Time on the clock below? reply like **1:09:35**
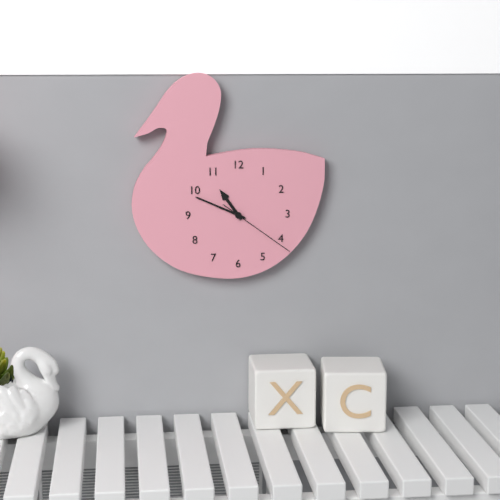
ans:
**10:49:21**
